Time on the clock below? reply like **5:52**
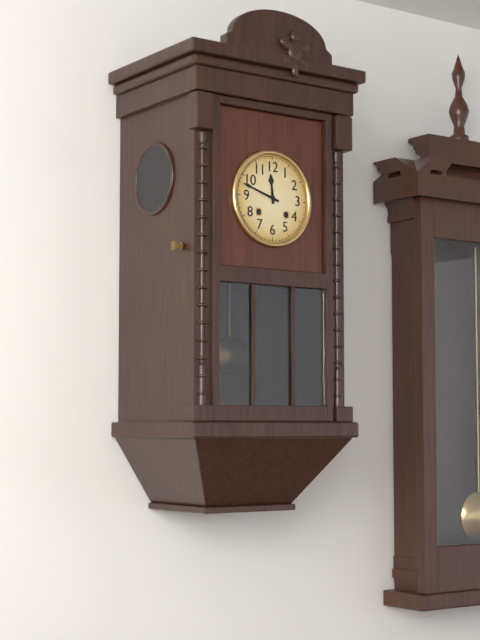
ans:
**11:48**
